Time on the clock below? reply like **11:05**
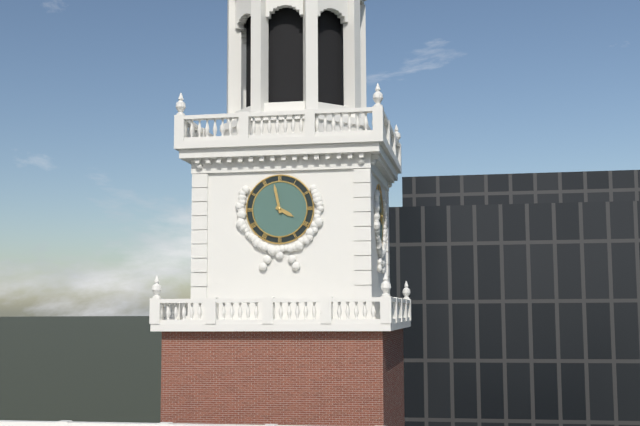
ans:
**3:58**
